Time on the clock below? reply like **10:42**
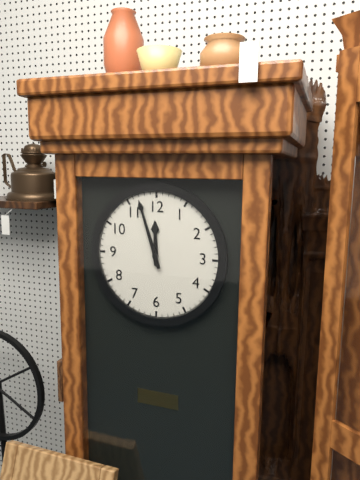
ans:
**11:57**
